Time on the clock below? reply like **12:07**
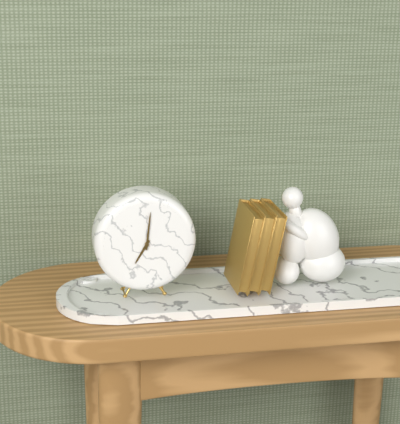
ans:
**7:01**
